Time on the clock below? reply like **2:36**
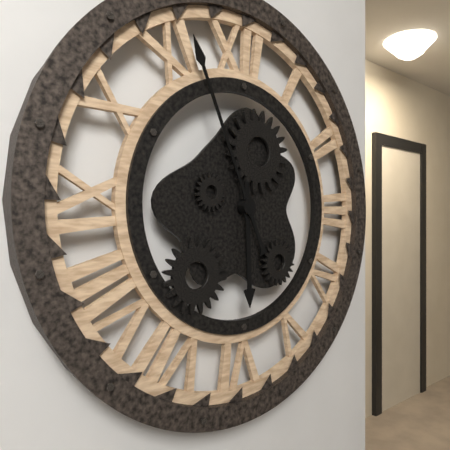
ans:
**5:56**
